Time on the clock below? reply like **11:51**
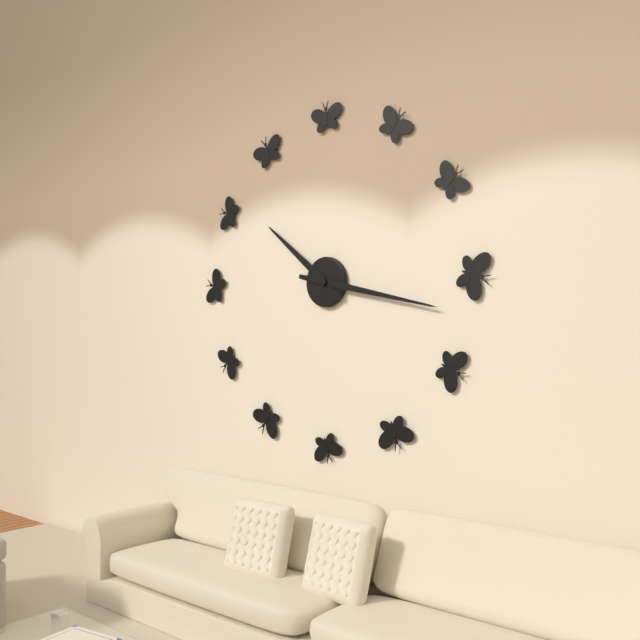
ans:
**10:17**
